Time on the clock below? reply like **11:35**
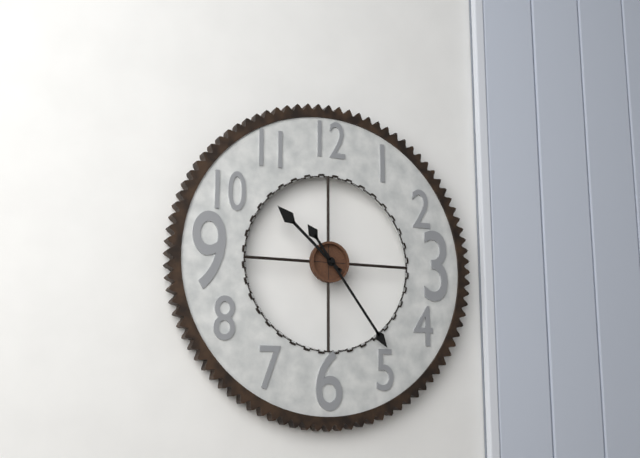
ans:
**10:24**
